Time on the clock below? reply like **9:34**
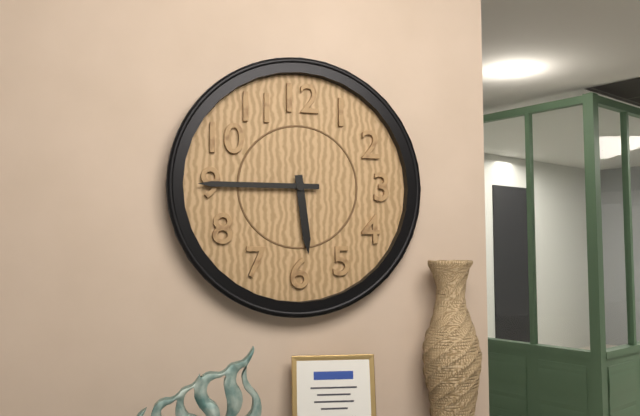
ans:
**5:45**
